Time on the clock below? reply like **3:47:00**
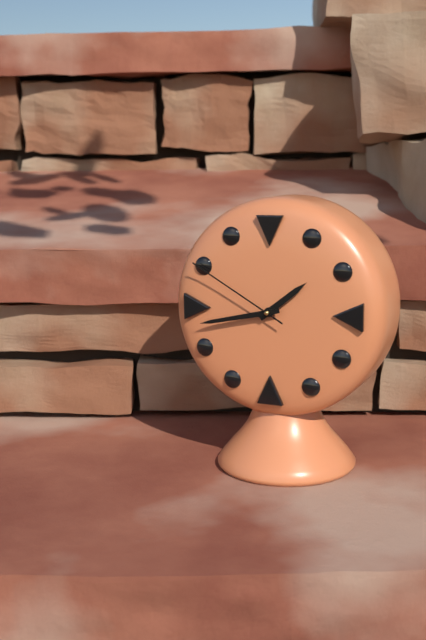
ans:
**1:43:50**
